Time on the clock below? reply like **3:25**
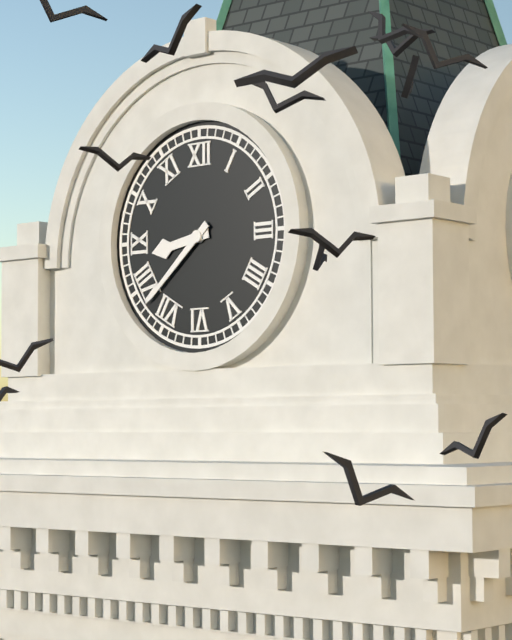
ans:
**8:38**
